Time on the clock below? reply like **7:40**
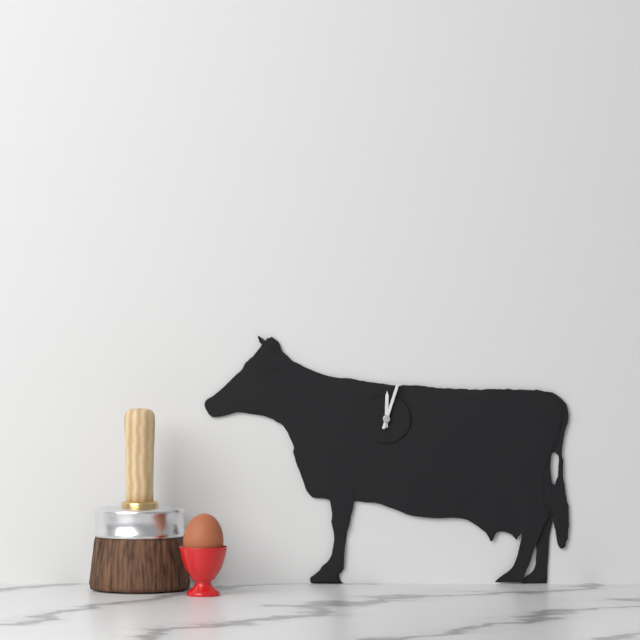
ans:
**12:03**
